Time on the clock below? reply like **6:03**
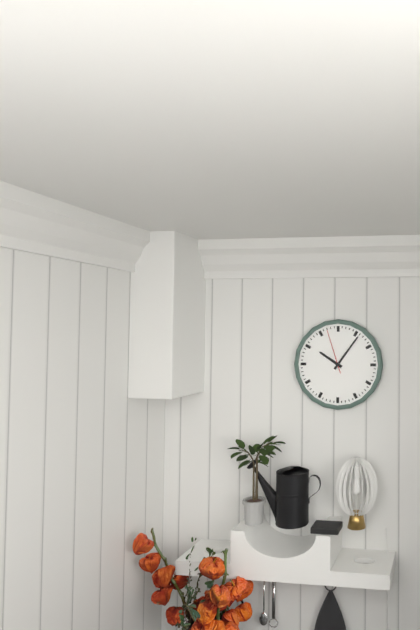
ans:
**10:06**
